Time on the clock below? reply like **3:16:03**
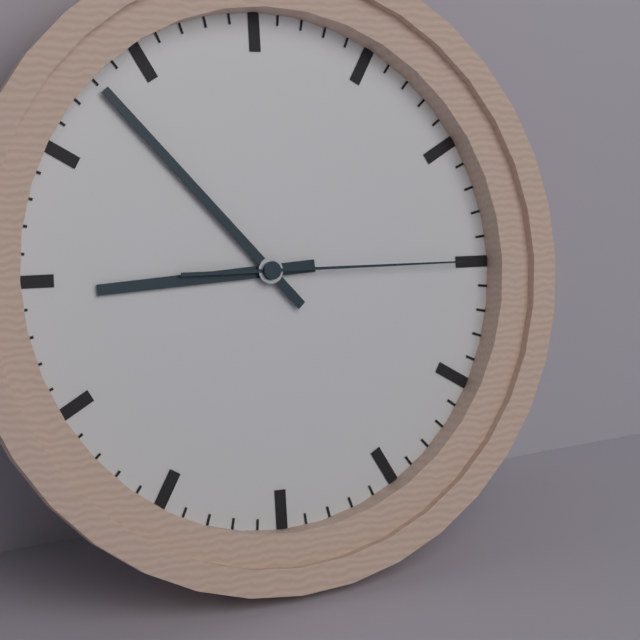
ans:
**8:53:15**
